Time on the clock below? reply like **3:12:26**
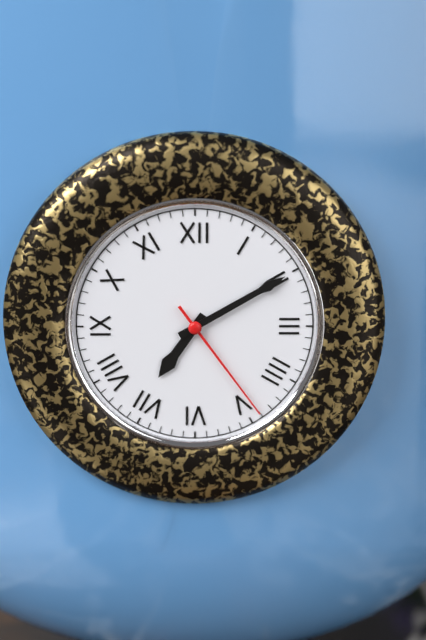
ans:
**7:10:24**
